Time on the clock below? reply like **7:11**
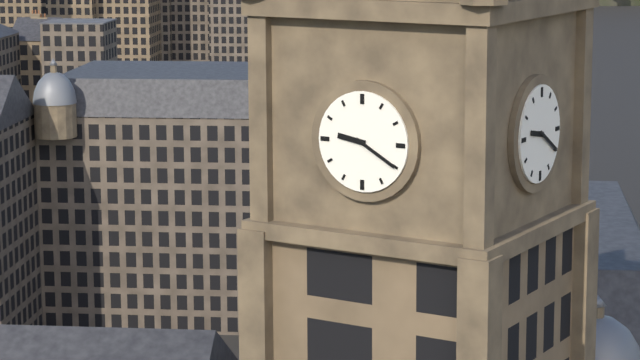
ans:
**9:20**
